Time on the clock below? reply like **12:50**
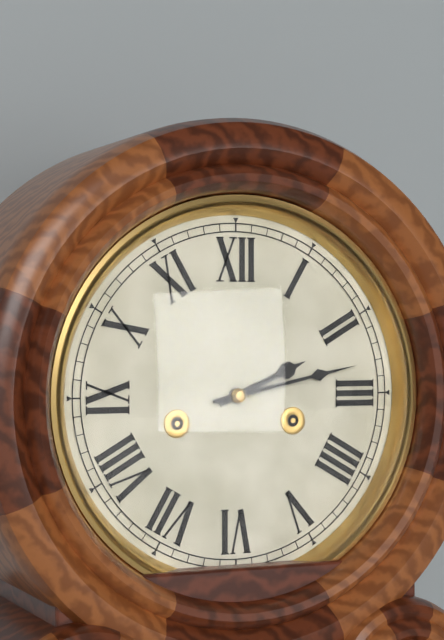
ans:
**2:13**
